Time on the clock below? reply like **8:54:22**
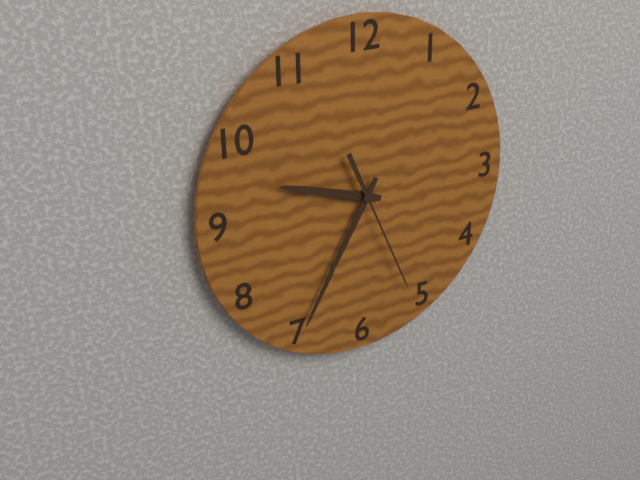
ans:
**9:35:26**
